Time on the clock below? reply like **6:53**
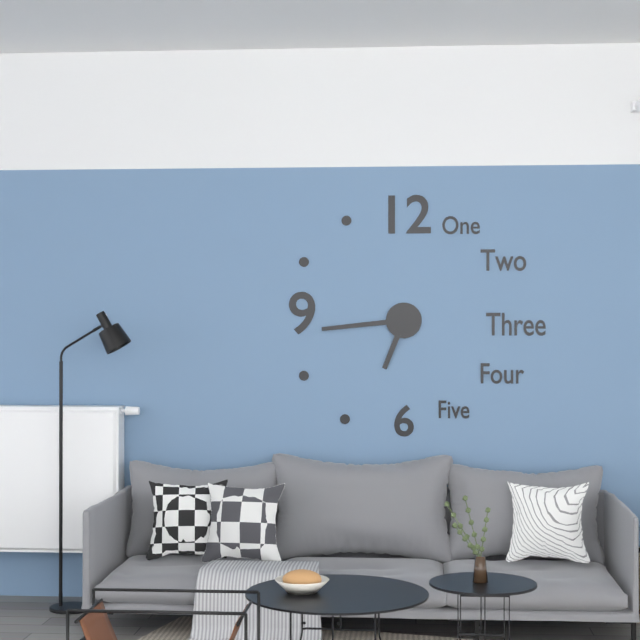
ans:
**6:44**
